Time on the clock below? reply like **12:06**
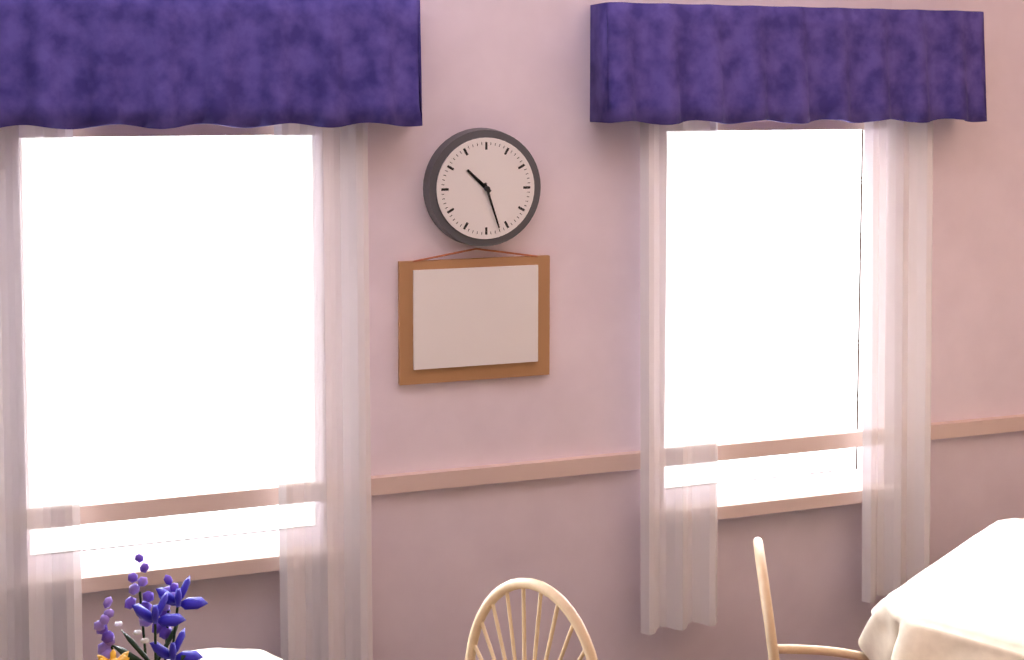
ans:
**10:27**
